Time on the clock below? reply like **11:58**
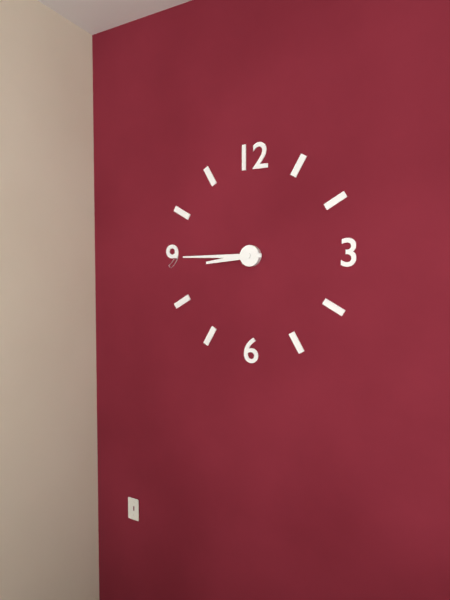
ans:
**8:45**
